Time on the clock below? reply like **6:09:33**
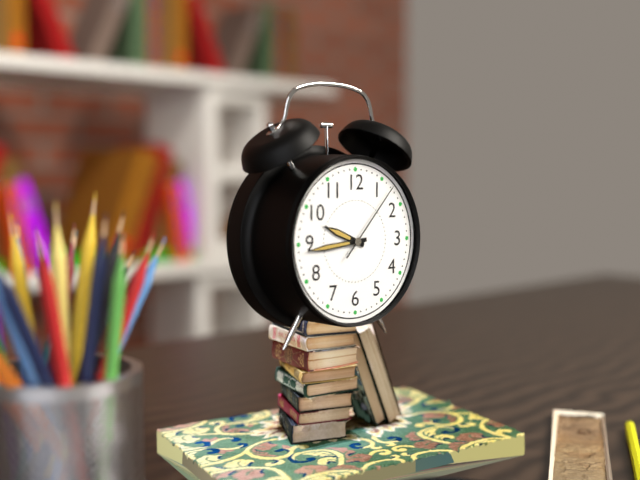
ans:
**9:44:07**
